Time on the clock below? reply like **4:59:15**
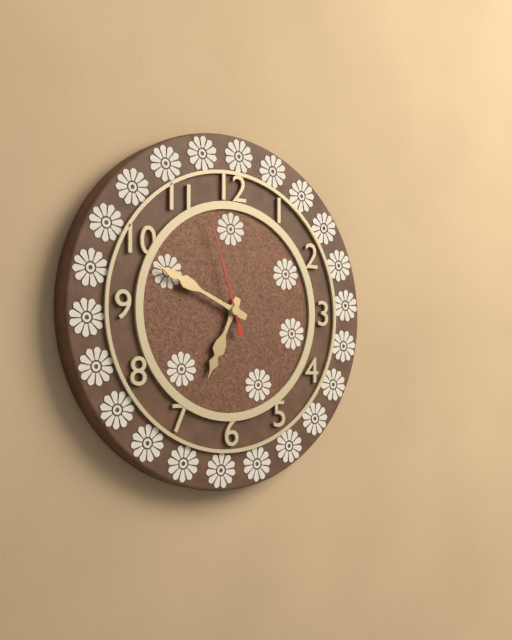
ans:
**6:49:57**
